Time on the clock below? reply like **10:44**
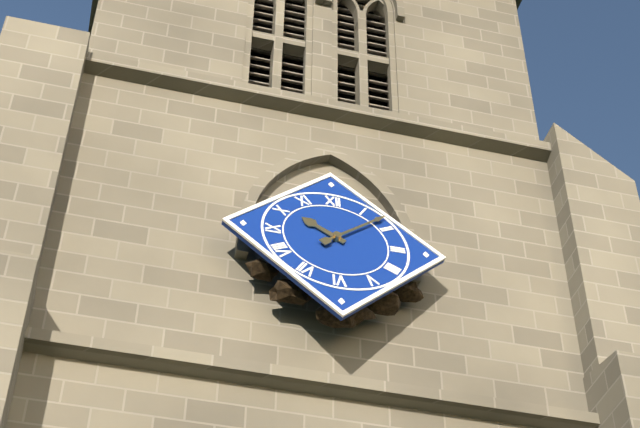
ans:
**10:08**
